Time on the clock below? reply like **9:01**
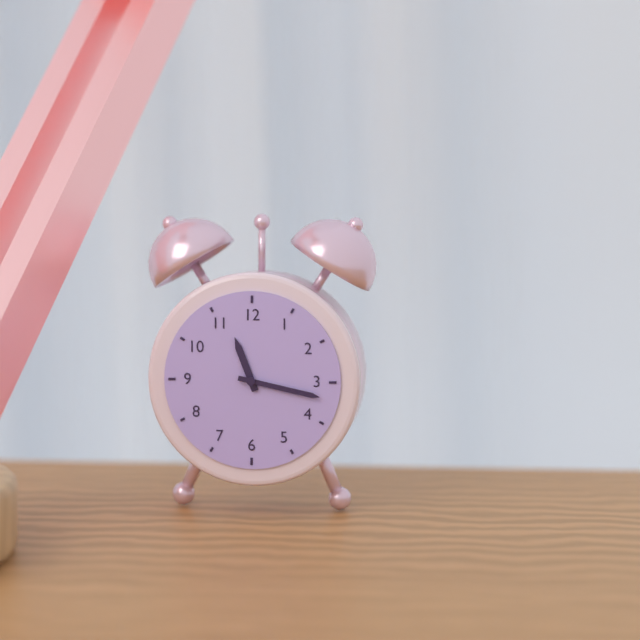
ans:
**11:17**
